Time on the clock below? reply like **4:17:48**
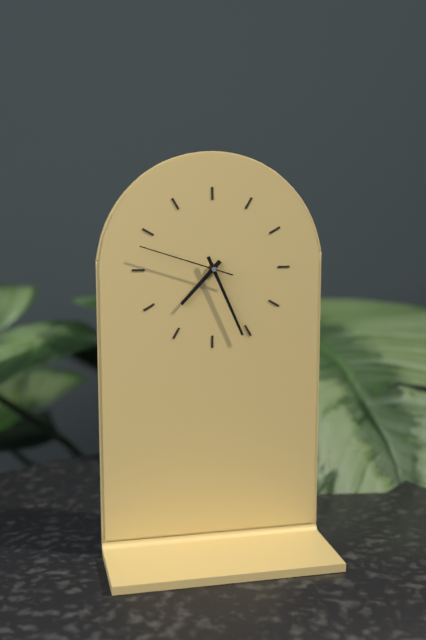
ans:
**7:26:48**
